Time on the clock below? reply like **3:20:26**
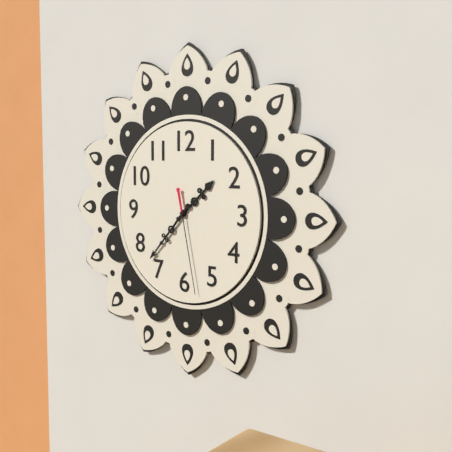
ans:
**1:37:28**
